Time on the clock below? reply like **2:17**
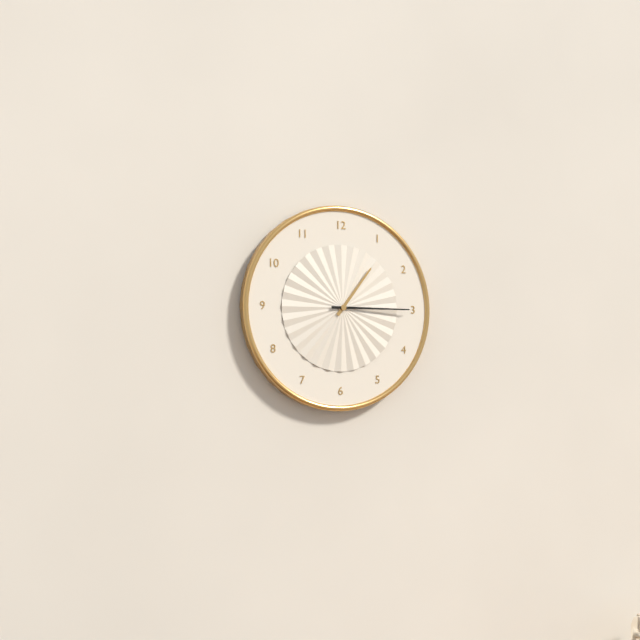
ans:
**1:15**
